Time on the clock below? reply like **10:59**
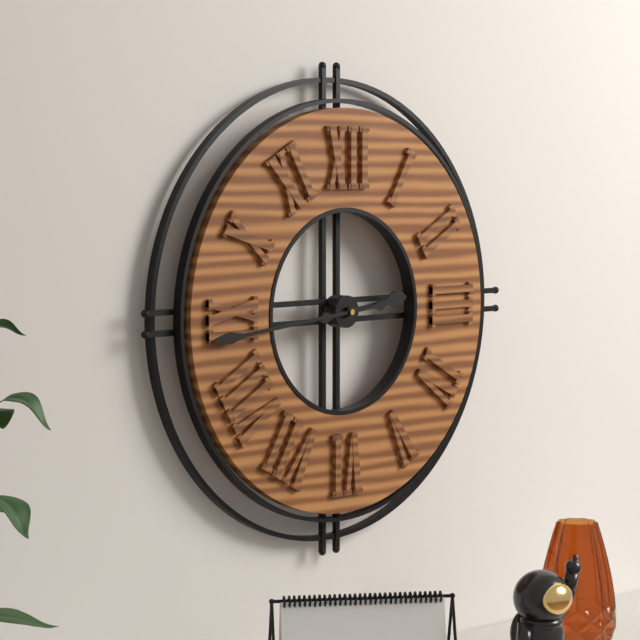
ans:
**2:44**
